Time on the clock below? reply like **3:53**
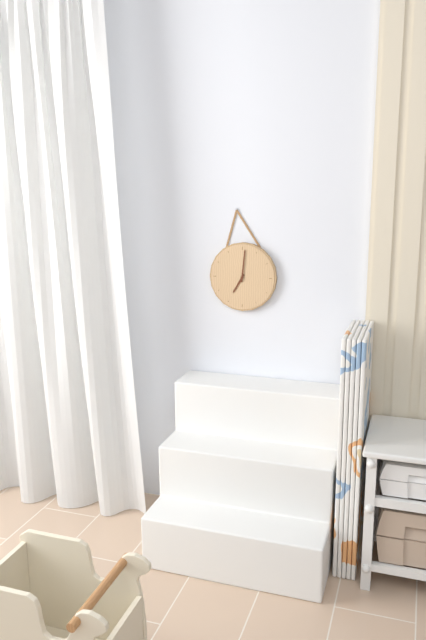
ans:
**7:01**
